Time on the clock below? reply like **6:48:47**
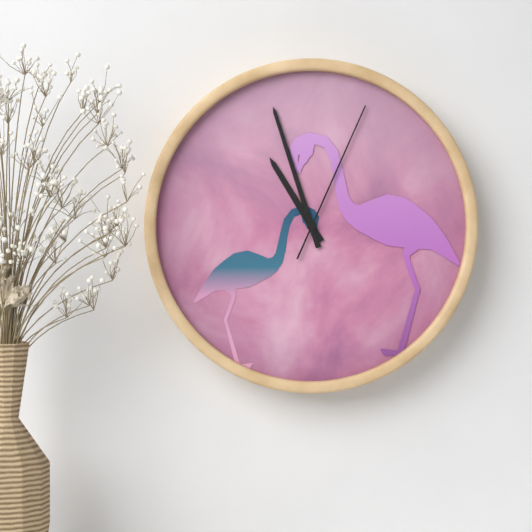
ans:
**10:57:04**
